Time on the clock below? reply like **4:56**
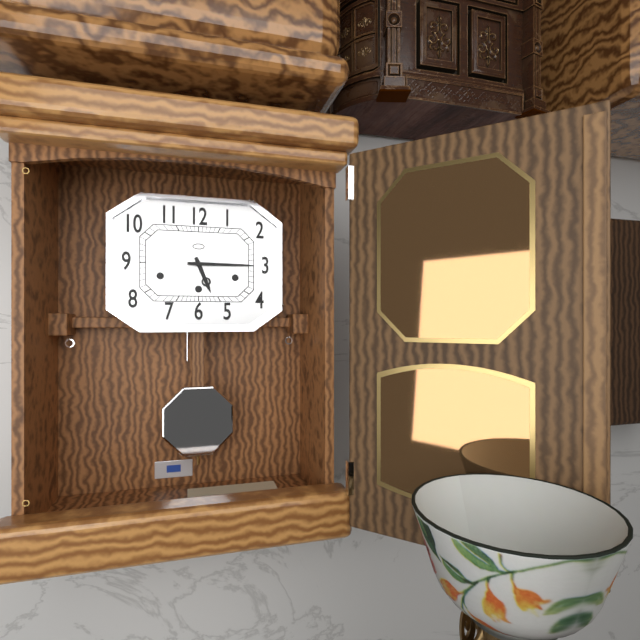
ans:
**5:15**
